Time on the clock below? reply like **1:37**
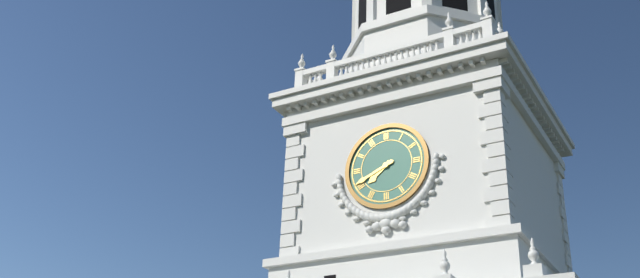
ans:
**7:41**
